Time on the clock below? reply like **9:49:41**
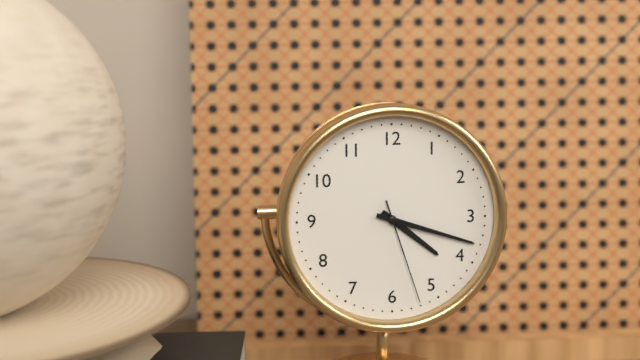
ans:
**4:18:27**
